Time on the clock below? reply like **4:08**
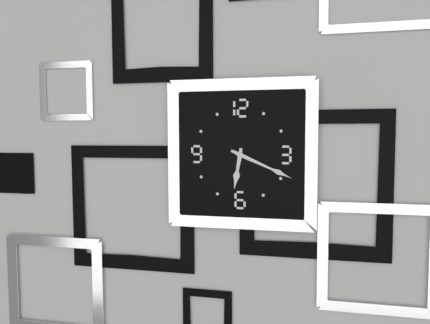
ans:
**6:19**
